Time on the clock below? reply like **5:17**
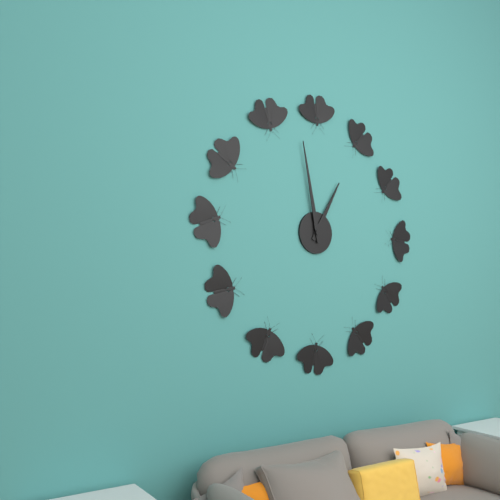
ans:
**12:58**
